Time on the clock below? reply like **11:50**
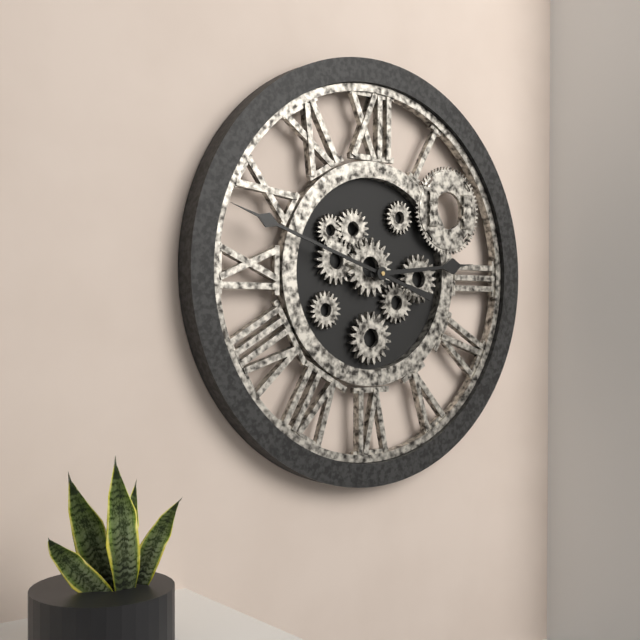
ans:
**2:48**
